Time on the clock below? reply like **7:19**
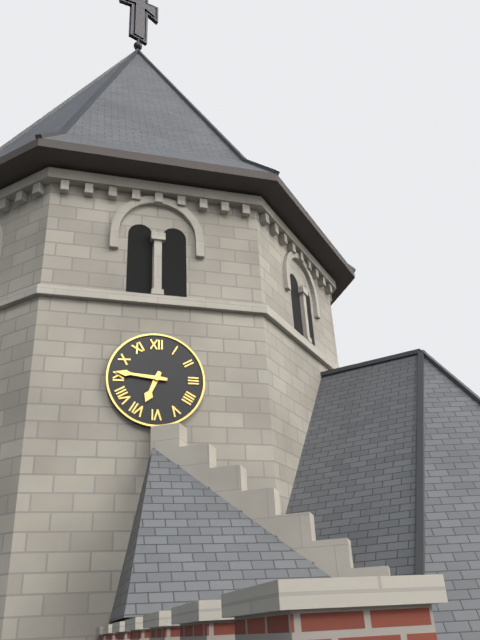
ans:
**6:46**
